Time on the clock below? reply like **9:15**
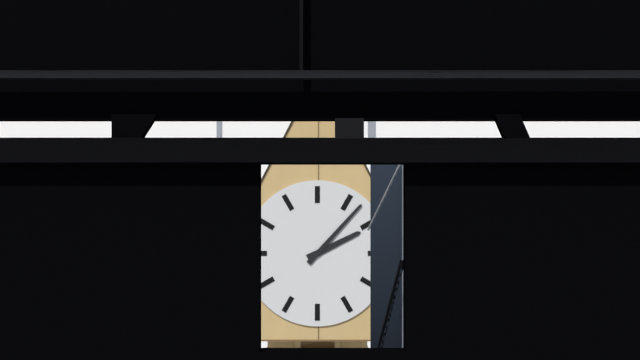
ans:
**2:07**
